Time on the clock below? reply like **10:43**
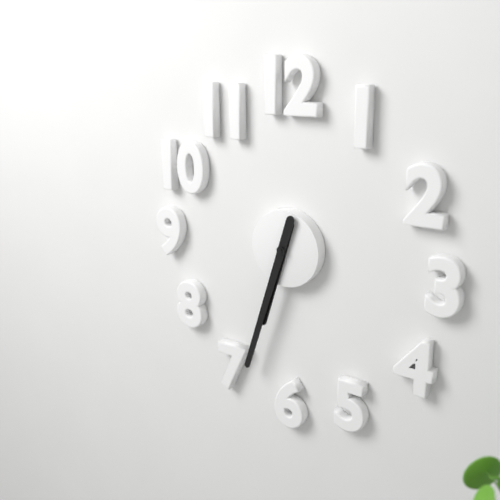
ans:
**6:33**
